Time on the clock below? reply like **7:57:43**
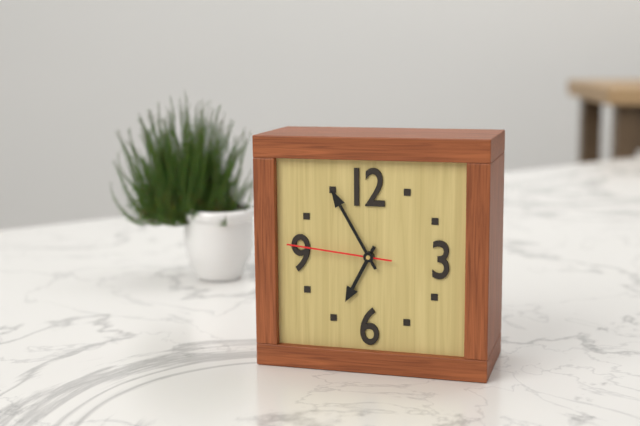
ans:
**6:55:46**
